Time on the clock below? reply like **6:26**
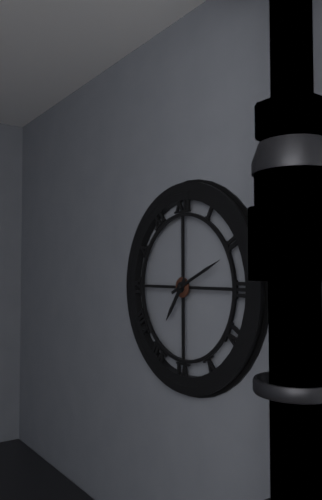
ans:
**7:11**
